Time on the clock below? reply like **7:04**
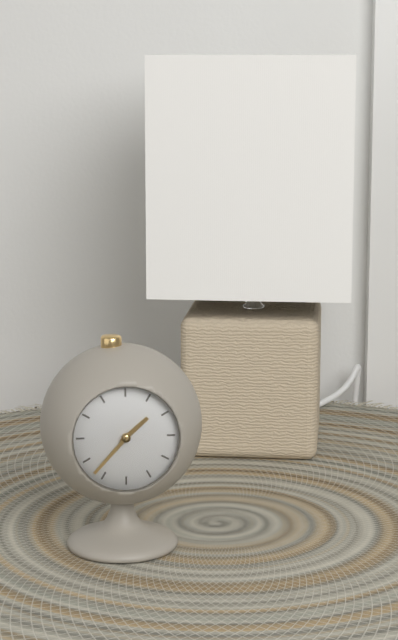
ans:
**1:37**
